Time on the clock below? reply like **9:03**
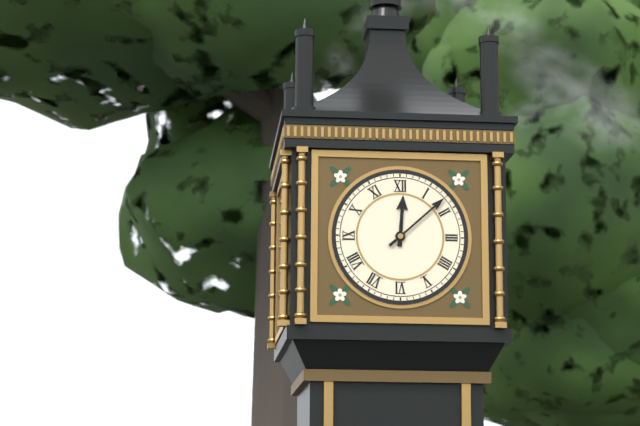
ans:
**12:08**
